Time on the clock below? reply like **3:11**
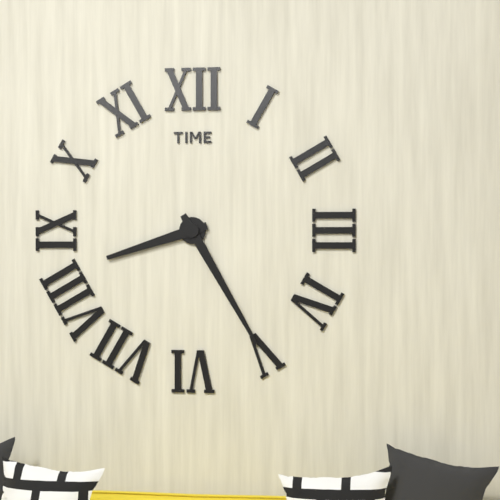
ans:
**8:25**
